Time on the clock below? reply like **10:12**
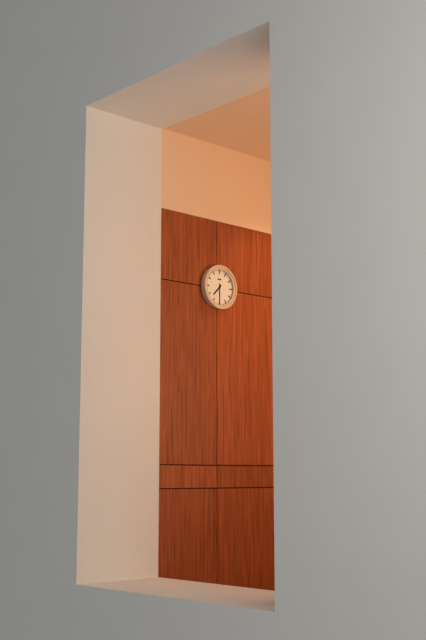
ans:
**7:30**
